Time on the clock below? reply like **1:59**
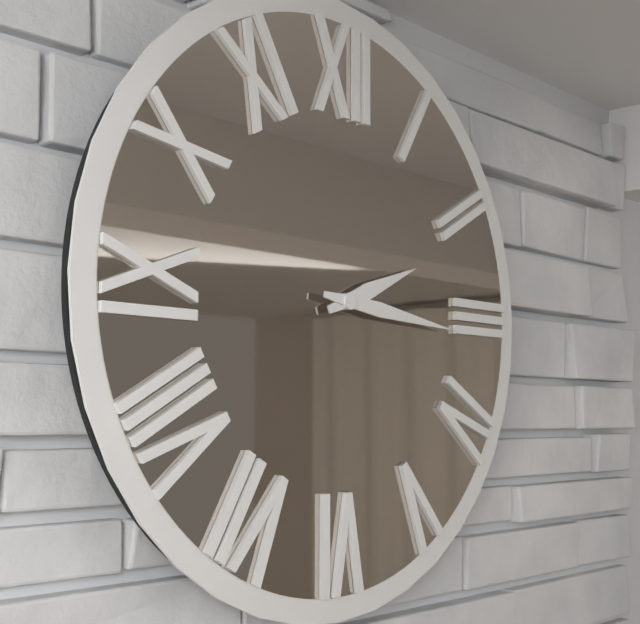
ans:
**2:16**
